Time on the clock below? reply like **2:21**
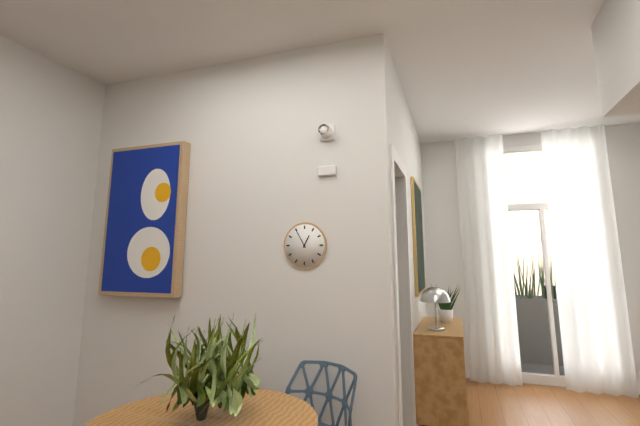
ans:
**12:55**
